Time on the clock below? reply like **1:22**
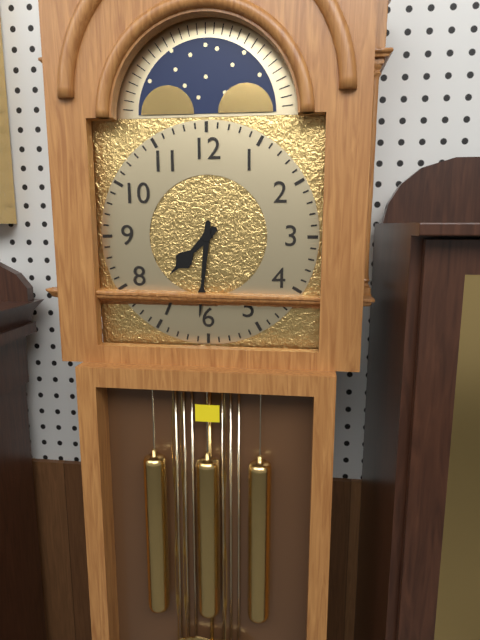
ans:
**7:31**
